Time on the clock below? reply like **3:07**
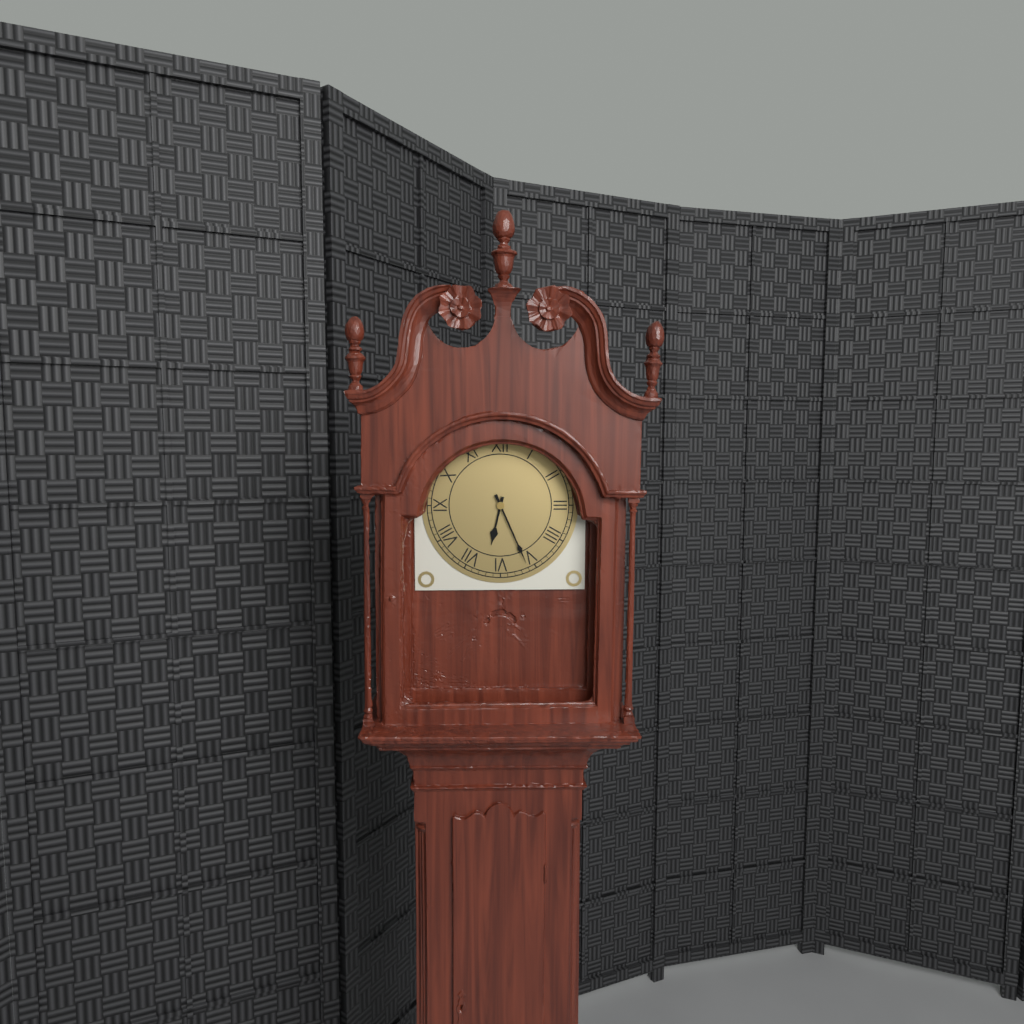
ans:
**6:26**
